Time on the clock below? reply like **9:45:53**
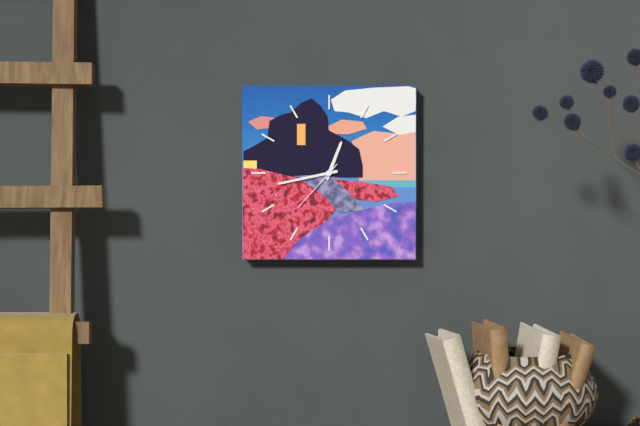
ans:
**12:43:37**
